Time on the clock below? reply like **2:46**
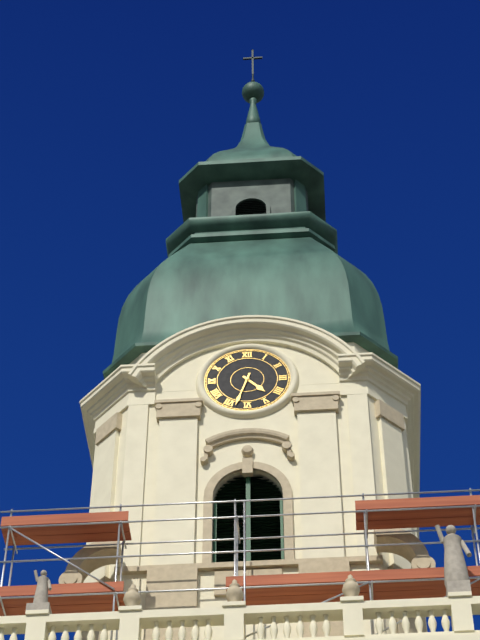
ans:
**4:33**
